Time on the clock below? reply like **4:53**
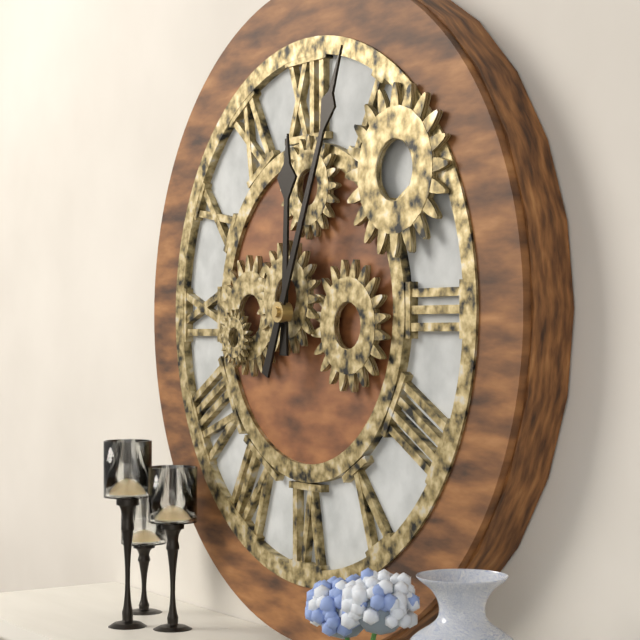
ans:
**12:04**
